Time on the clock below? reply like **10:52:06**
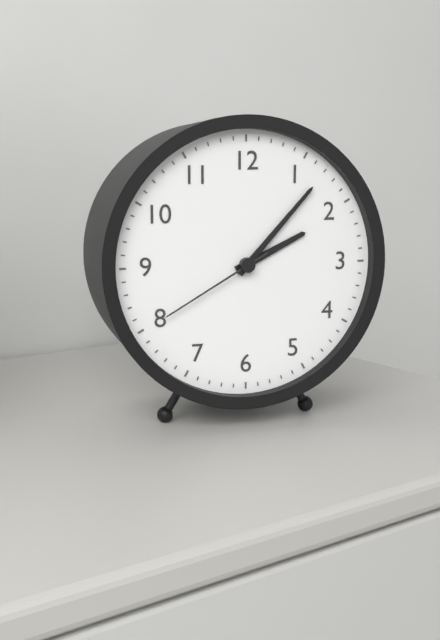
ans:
**2:07:40**
